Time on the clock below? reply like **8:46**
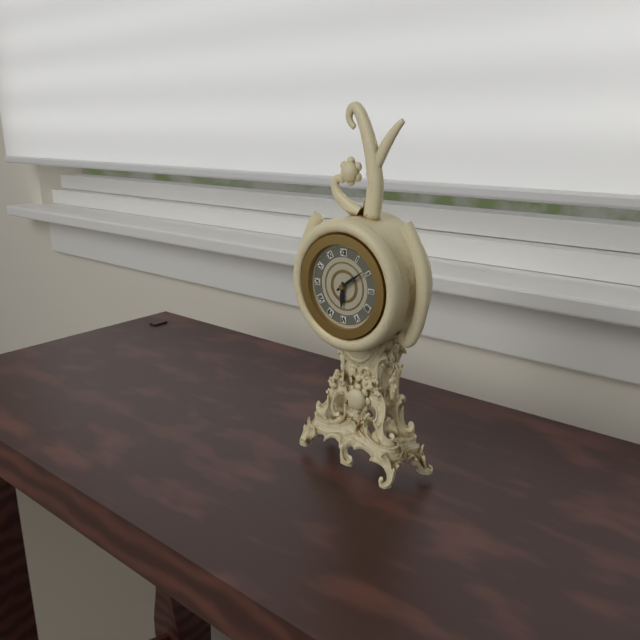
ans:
**6:09**
